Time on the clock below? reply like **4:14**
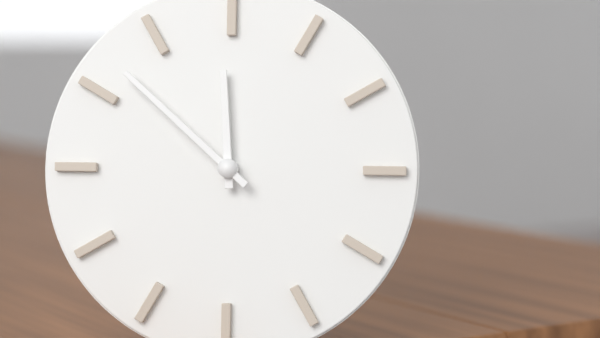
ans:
**11:52**
